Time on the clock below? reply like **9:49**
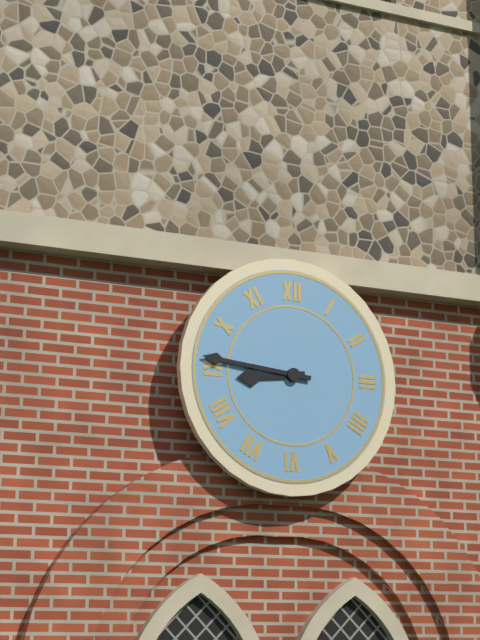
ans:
**8:46**
